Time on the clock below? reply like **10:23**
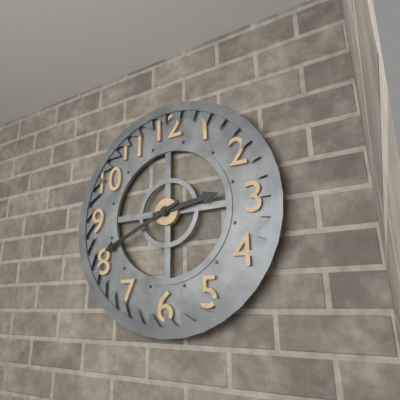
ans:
**2:41**
